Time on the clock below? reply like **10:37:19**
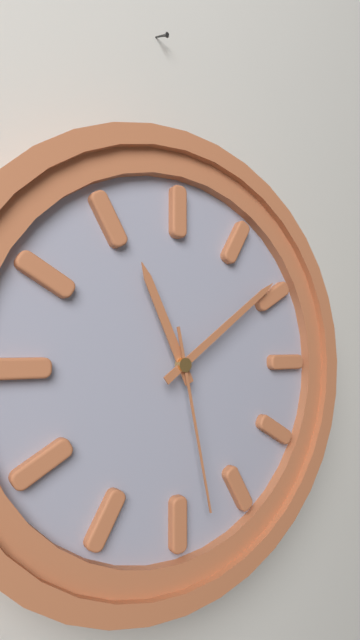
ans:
**11:09:28**
